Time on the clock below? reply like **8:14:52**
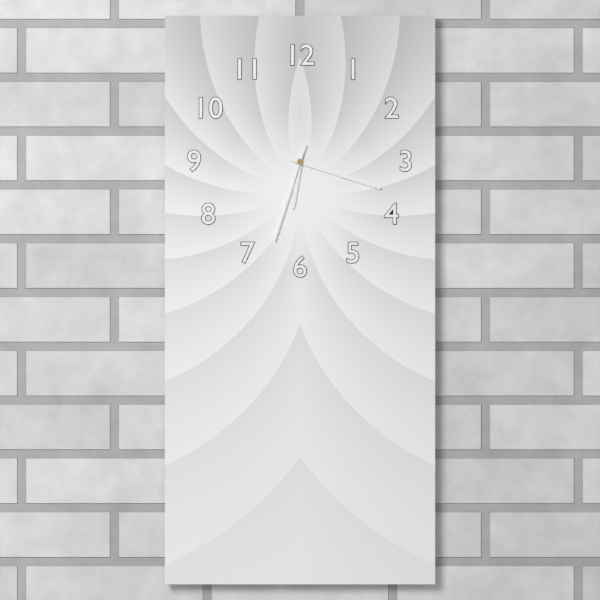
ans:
**6:18:33**
